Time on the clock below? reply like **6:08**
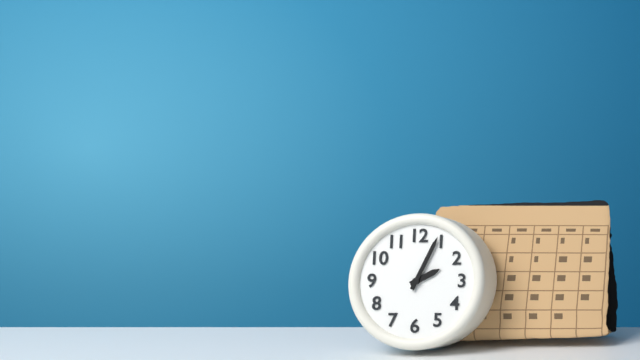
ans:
**2:04**
